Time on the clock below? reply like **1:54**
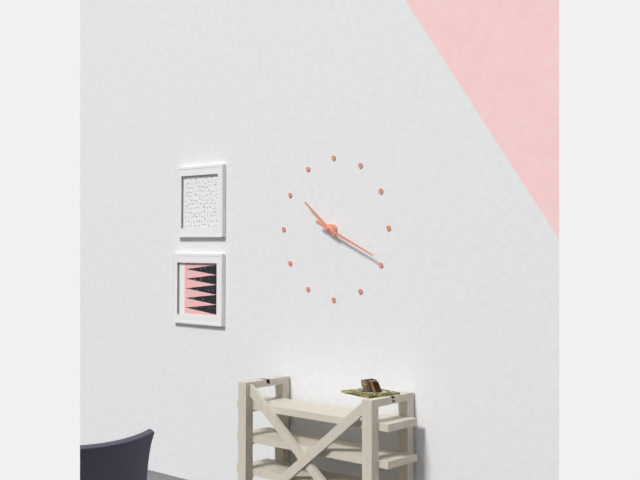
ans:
**10:19**
